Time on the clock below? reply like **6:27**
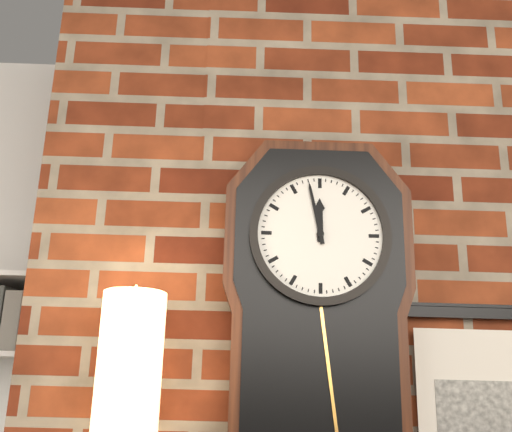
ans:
**11:58**
